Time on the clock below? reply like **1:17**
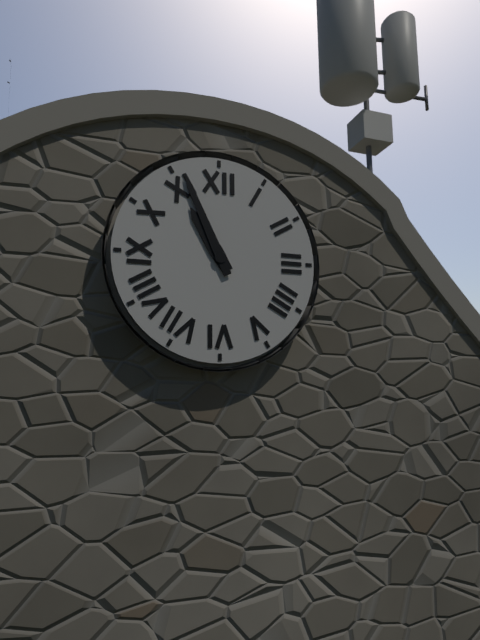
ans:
**10:56**
